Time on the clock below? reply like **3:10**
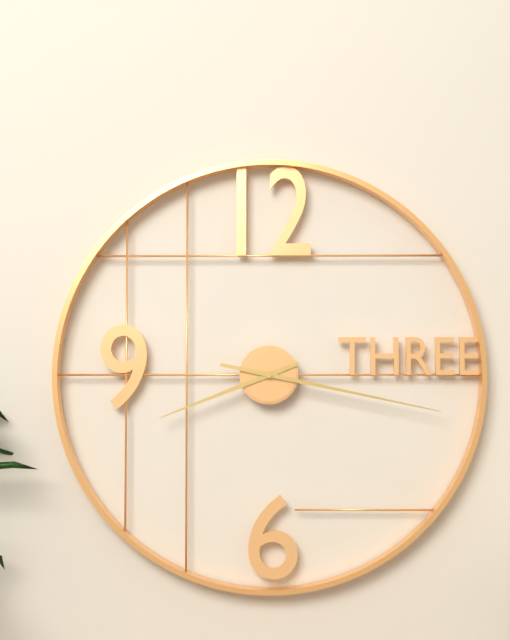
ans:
**8:17**
